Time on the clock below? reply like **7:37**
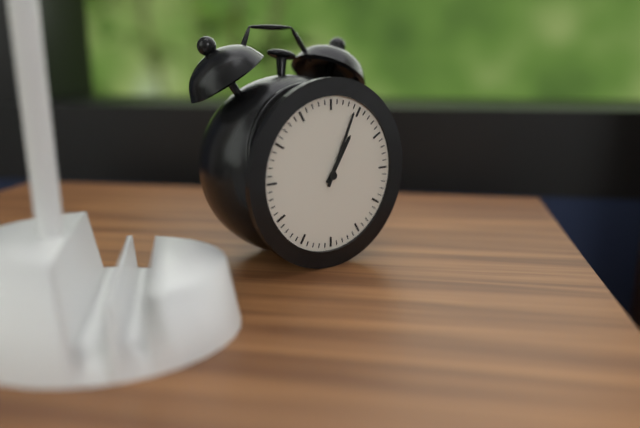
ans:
**1:04**
